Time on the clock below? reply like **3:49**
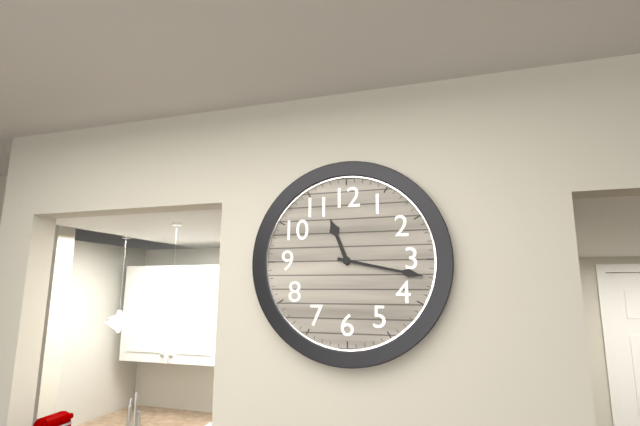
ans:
**11:17**
